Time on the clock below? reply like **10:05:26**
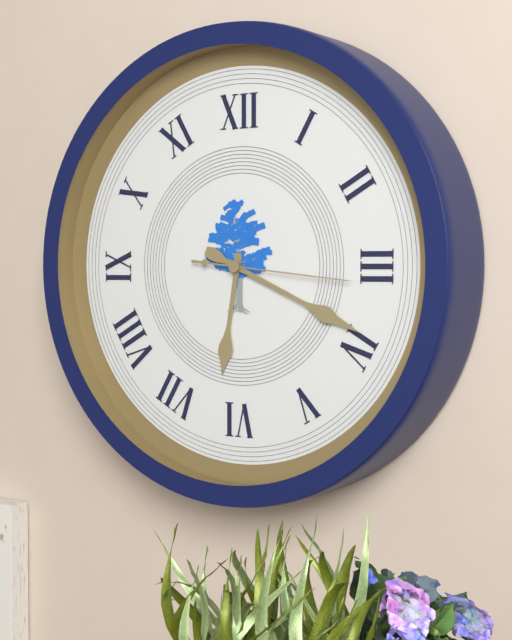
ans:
**6:19:16**
